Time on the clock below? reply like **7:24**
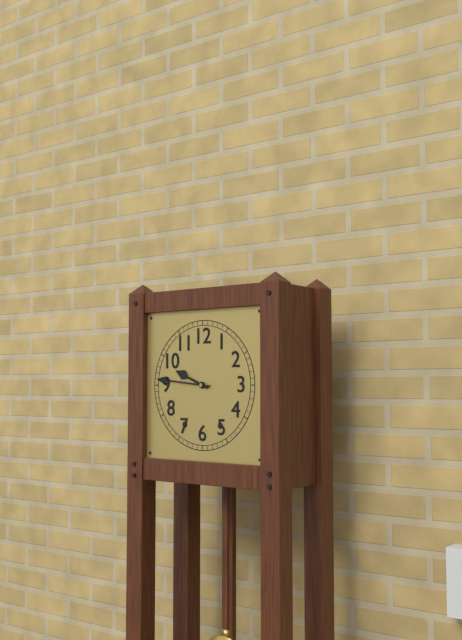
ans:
**9:46**
